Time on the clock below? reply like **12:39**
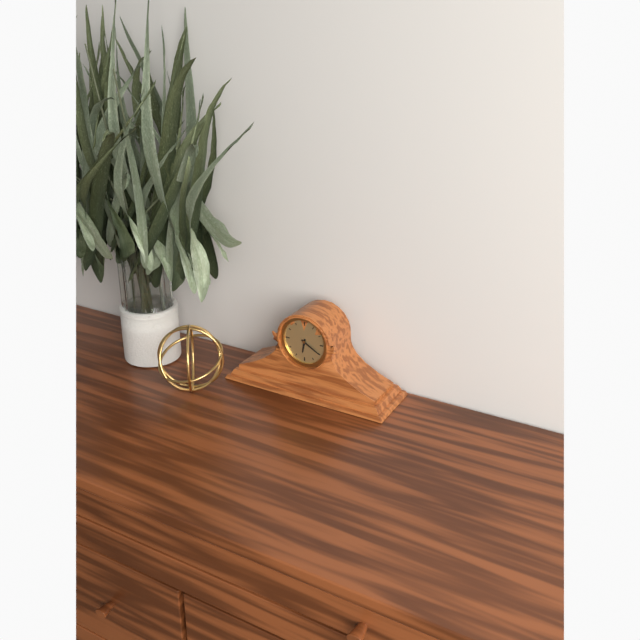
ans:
**6:20**
